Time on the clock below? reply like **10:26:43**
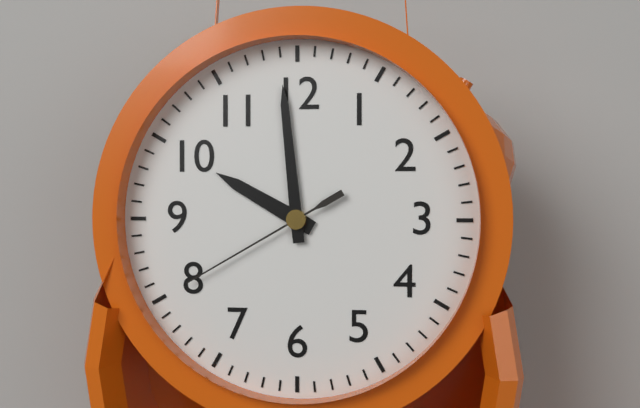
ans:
**9:59:40**
